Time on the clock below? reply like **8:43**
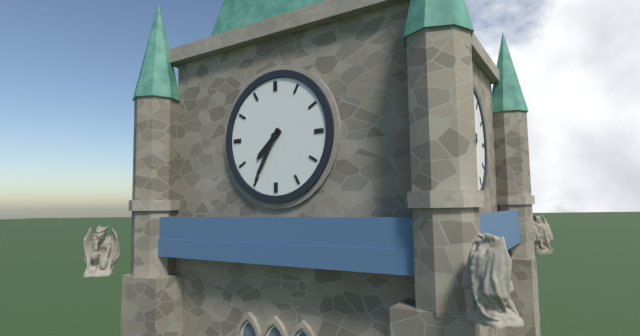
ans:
**7:35**
